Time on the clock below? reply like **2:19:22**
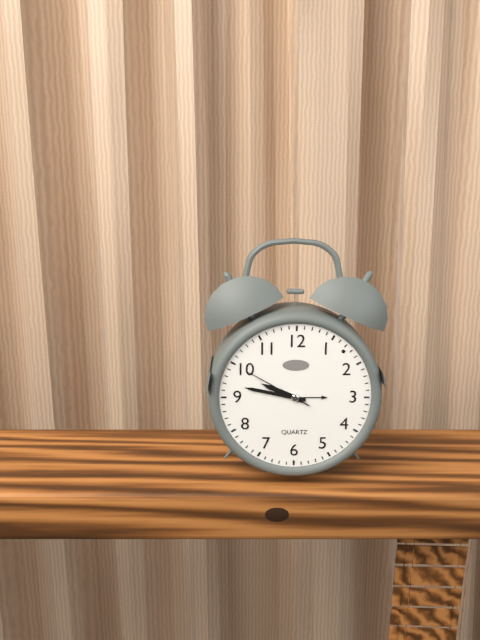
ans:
**9:47:50**
